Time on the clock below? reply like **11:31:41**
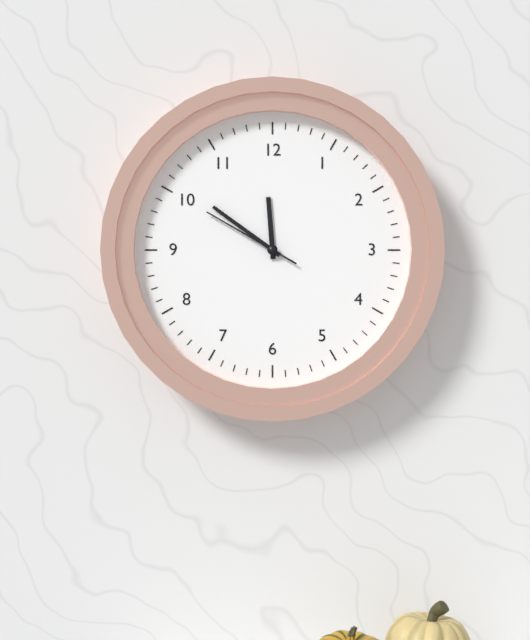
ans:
**11:51:50**
